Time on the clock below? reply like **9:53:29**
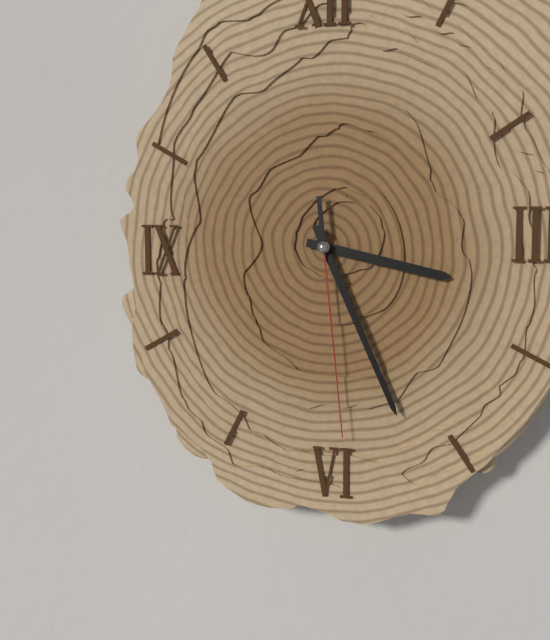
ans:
**3:26:29**
